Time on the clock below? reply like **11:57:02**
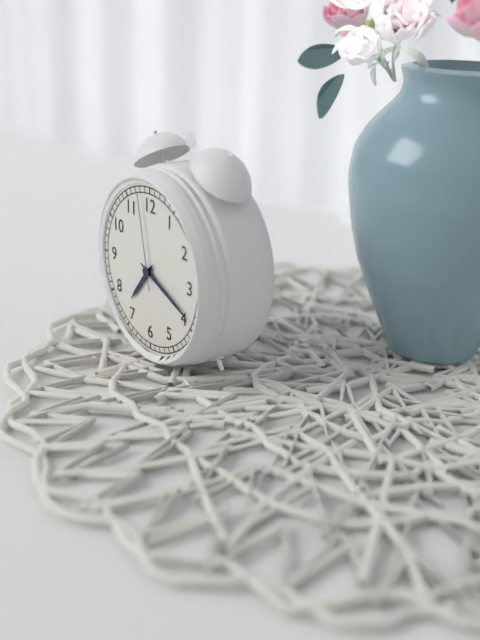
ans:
**7:19:58**
